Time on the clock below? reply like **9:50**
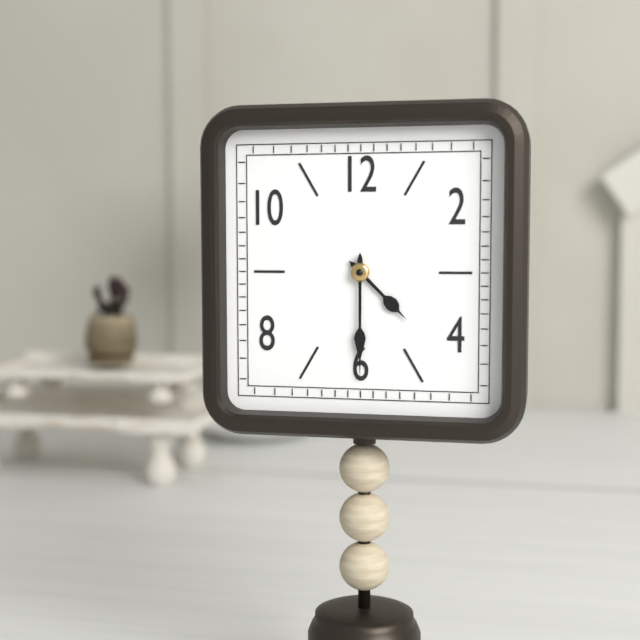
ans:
**4:30**
